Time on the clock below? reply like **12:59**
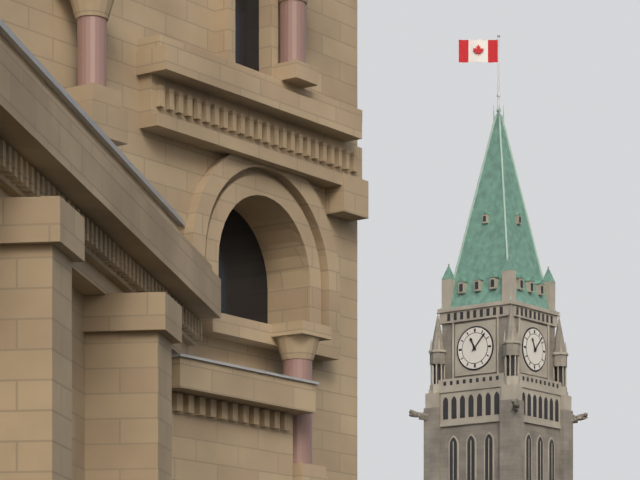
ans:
**11:07**
